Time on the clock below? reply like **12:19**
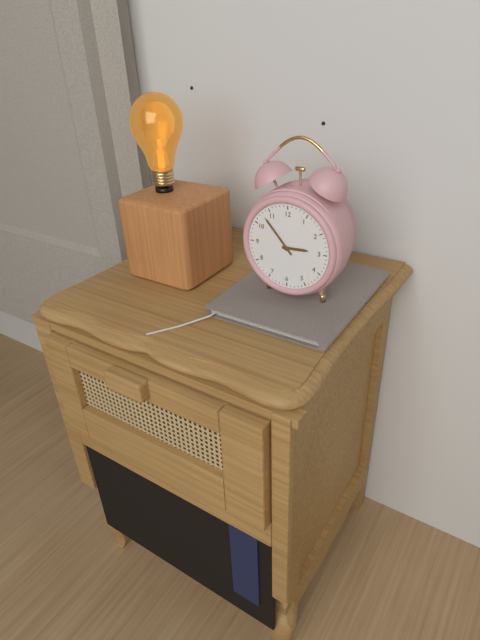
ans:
**2:53**
